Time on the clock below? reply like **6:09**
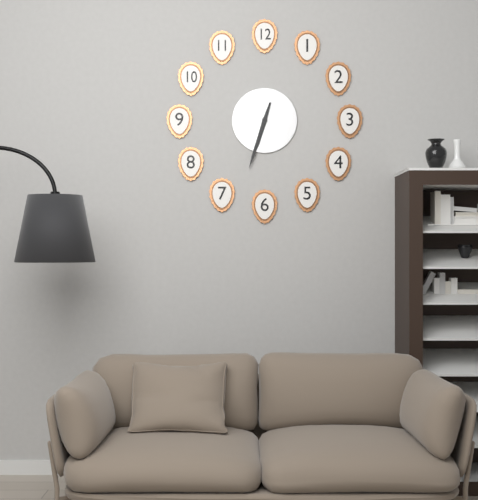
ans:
**6:33**
